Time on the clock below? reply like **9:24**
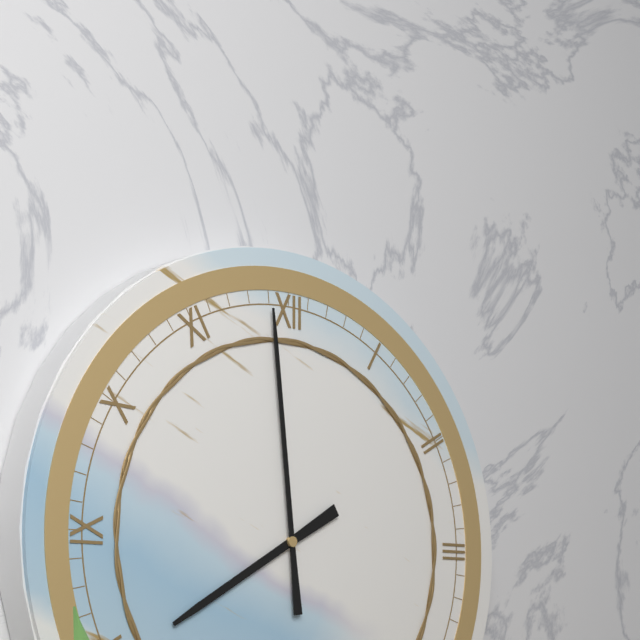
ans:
**7:59**
